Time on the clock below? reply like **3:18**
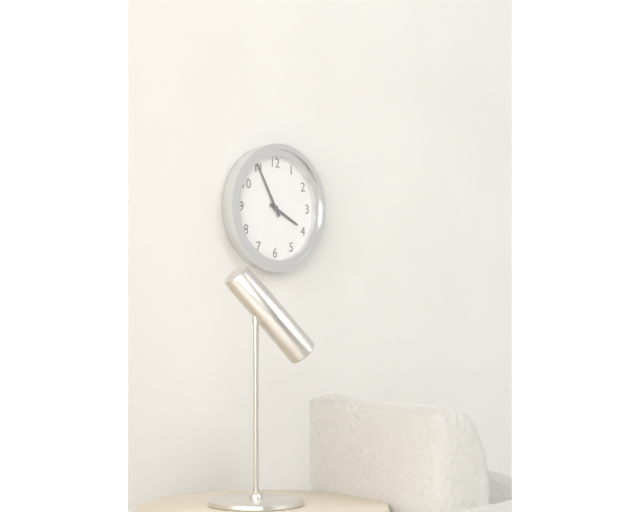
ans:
**3:55**
